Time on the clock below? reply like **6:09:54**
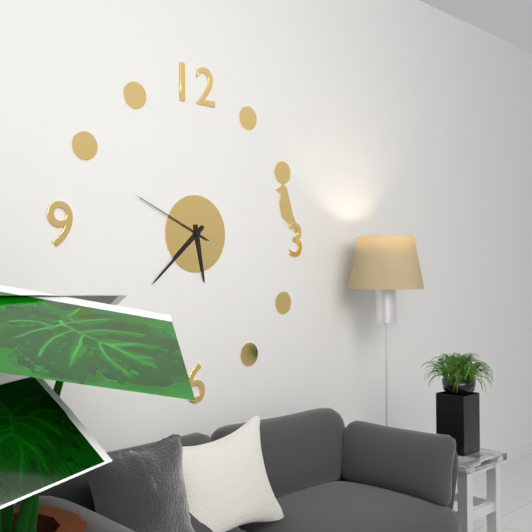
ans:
**5:38:49**
